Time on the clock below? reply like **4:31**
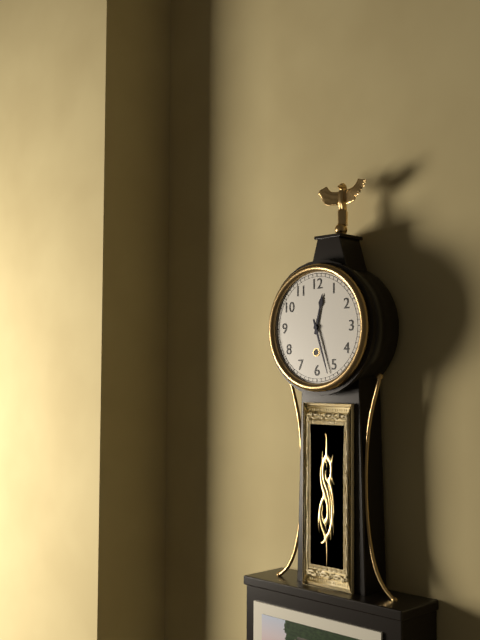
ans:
**12:27**
